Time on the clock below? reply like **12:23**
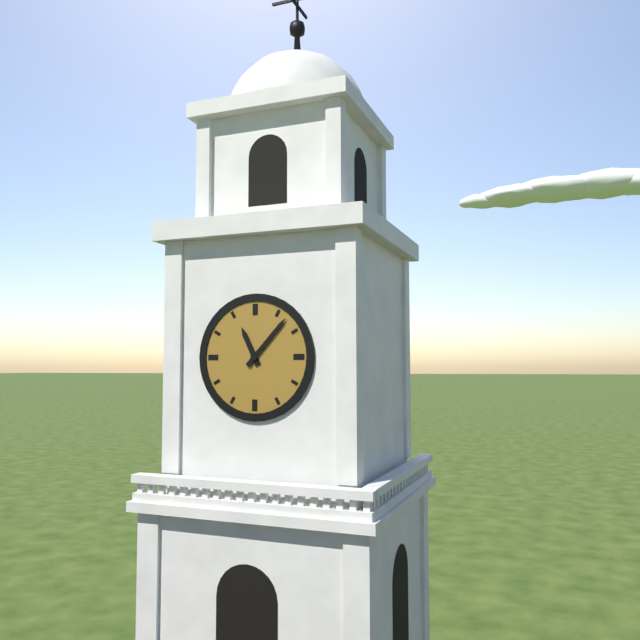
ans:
**11:07**
